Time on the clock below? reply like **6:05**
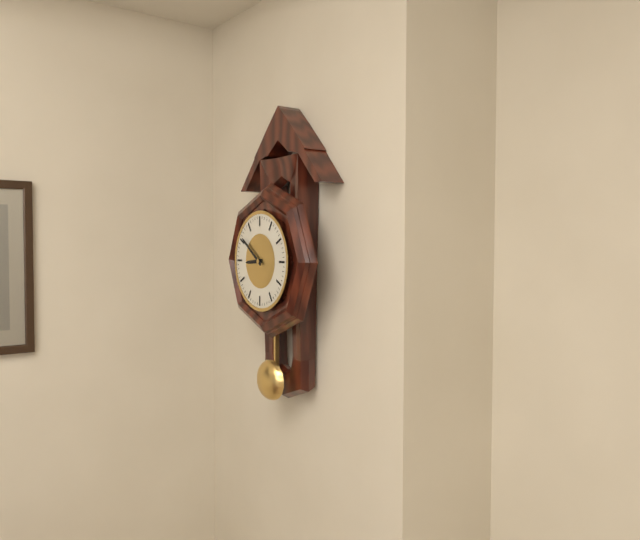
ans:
**8:51**
